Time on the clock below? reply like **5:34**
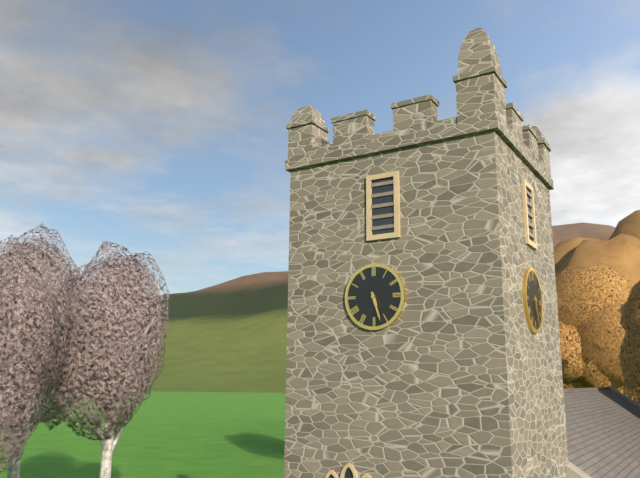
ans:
**5:27**
